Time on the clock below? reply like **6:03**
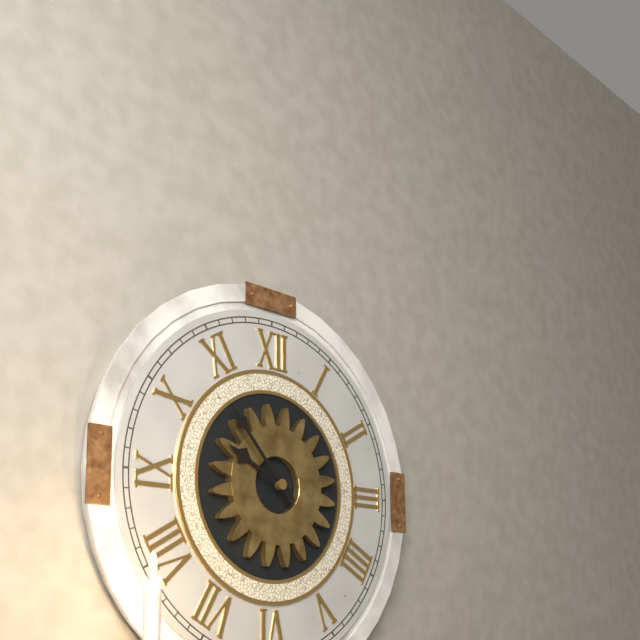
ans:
**9:53**
